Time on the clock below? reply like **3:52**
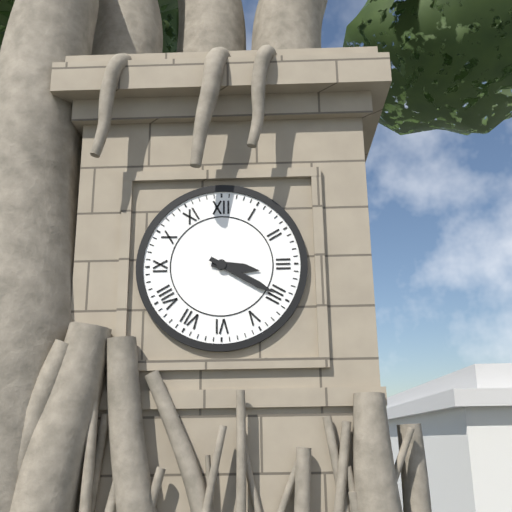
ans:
**3:20**
